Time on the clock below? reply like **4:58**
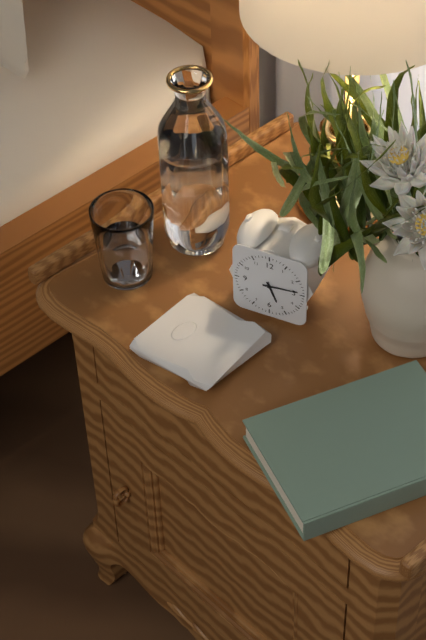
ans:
**5:14**
